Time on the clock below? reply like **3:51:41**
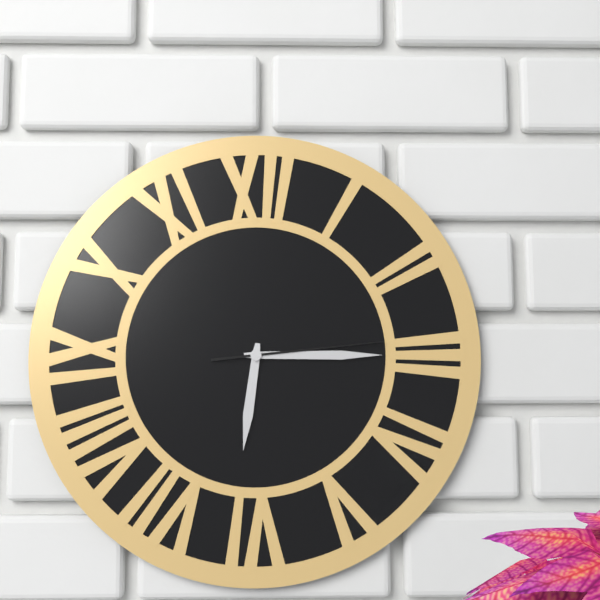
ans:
**6:15:14**
